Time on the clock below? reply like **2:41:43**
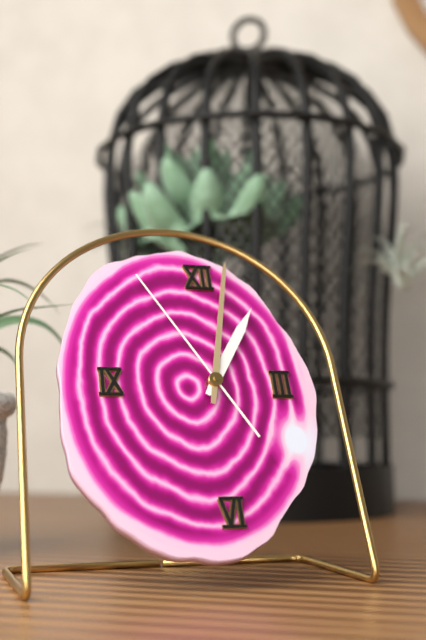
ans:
**1:02:55**
